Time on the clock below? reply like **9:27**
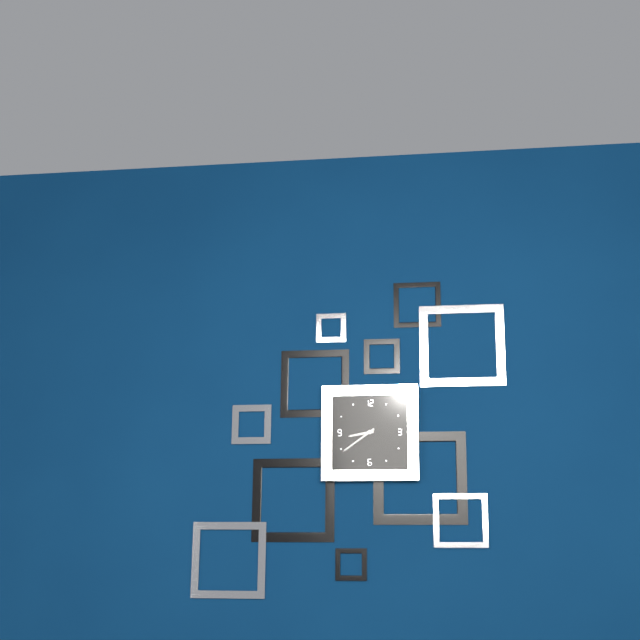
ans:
**8:39**
